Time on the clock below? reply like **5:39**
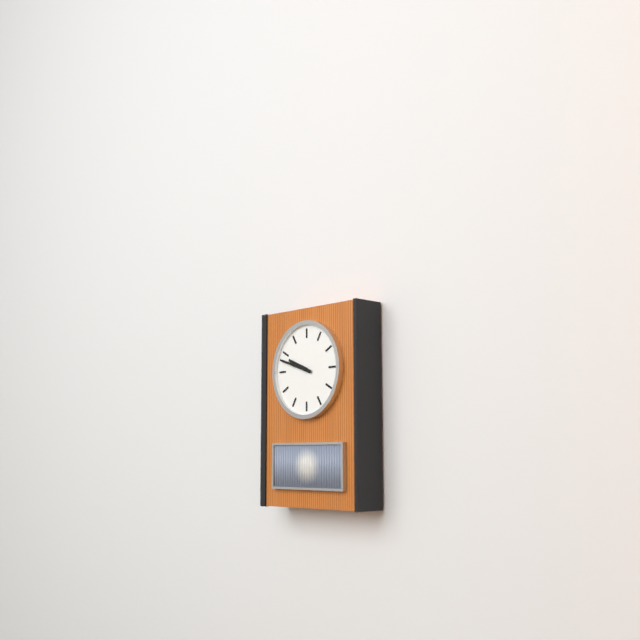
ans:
**9:48**
